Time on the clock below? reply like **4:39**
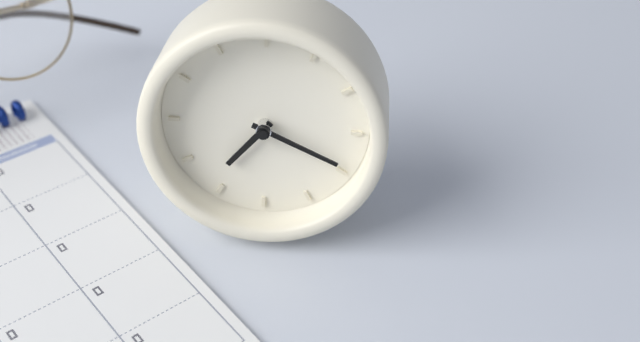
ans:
**7:19**
